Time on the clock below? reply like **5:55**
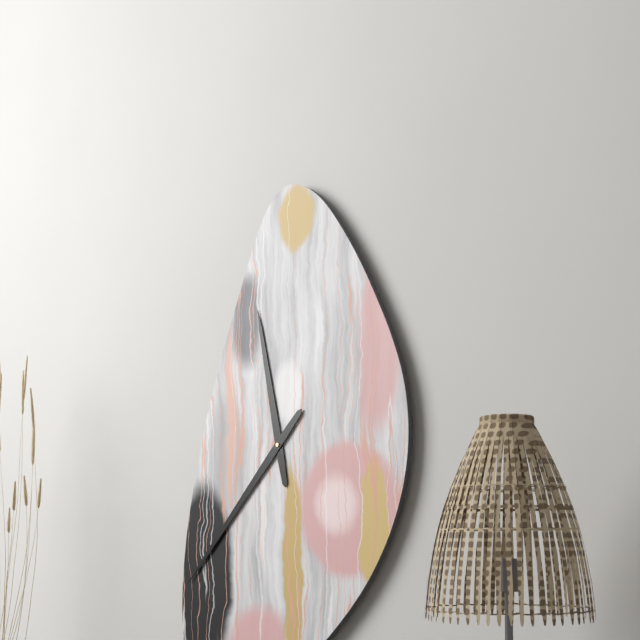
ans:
**11:37**
